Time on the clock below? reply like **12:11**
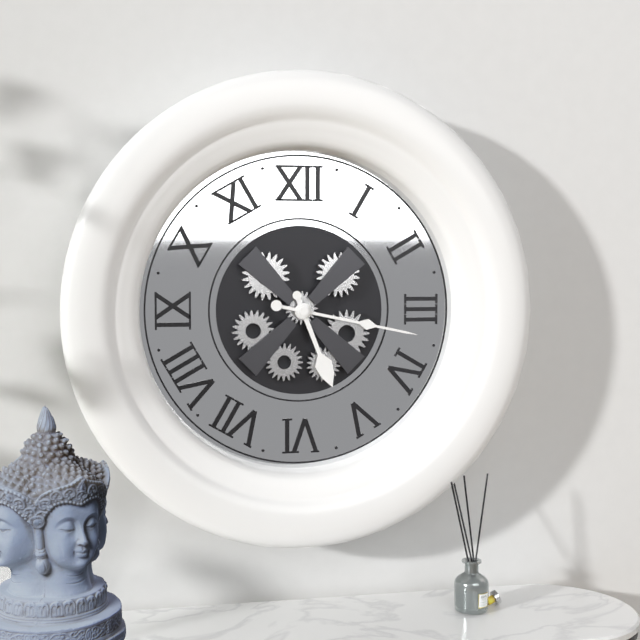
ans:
**5:17**
